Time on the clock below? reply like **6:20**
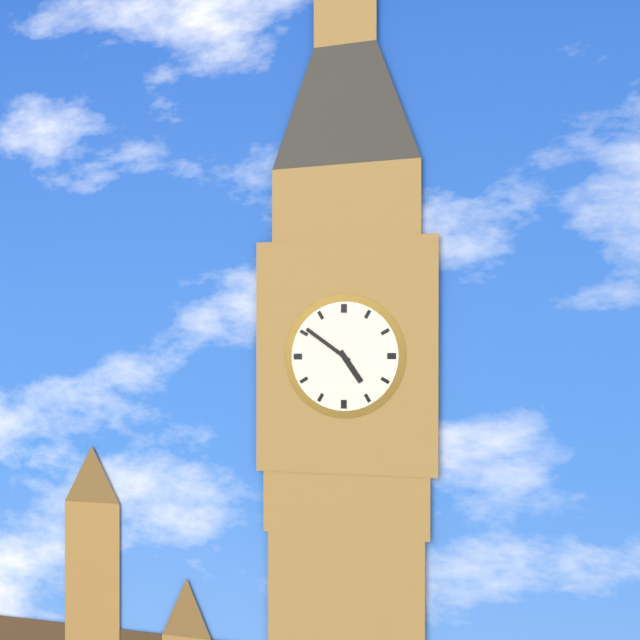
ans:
**4:51**
